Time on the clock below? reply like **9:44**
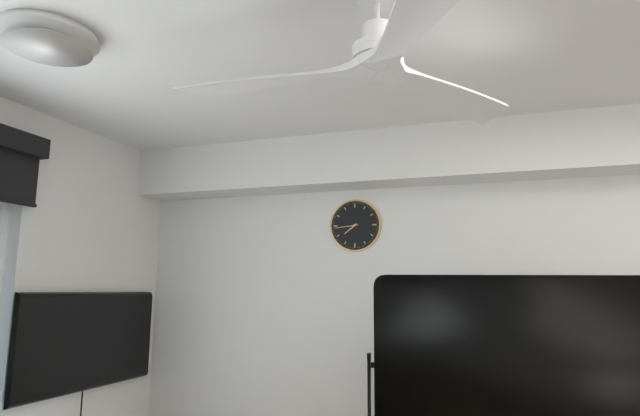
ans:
**7:44**
